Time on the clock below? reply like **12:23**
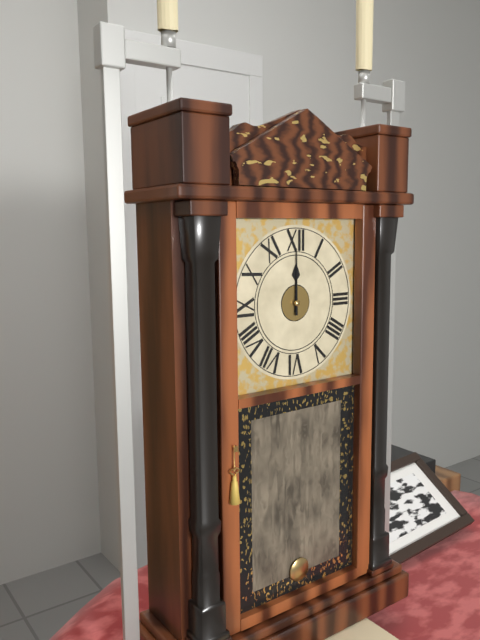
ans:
**12:00**
